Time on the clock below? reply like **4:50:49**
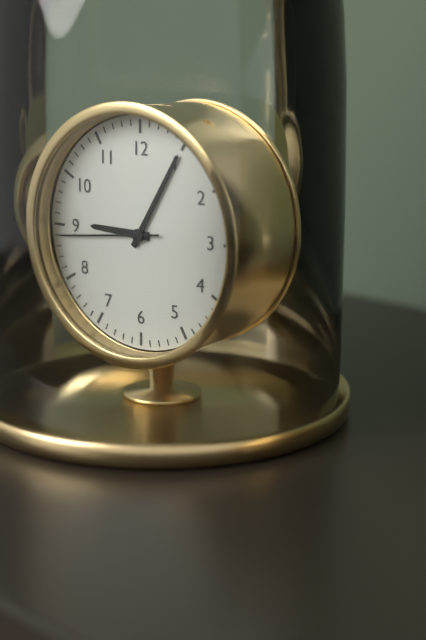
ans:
**9:05:44**
